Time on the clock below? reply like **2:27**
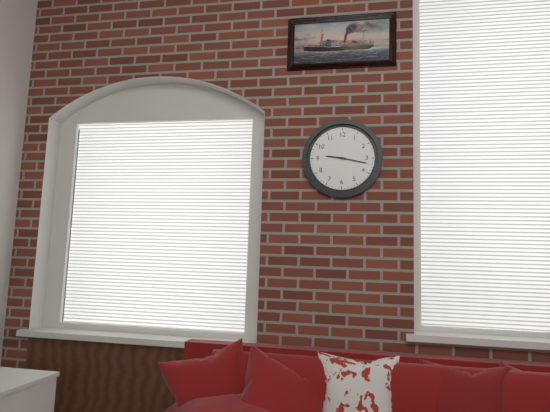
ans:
**9:17**
